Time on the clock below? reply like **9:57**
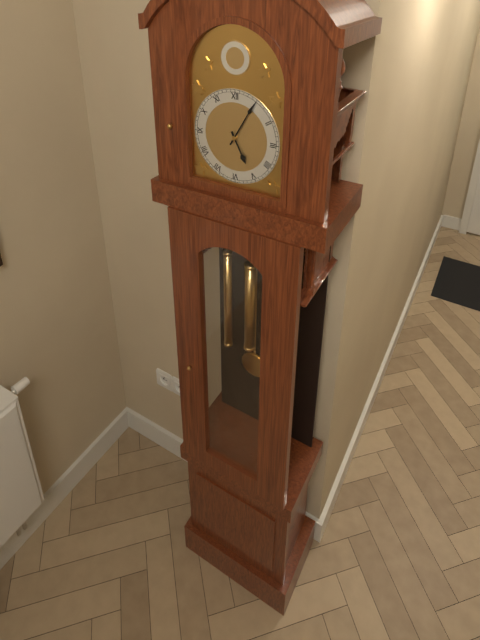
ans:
**5:05**
